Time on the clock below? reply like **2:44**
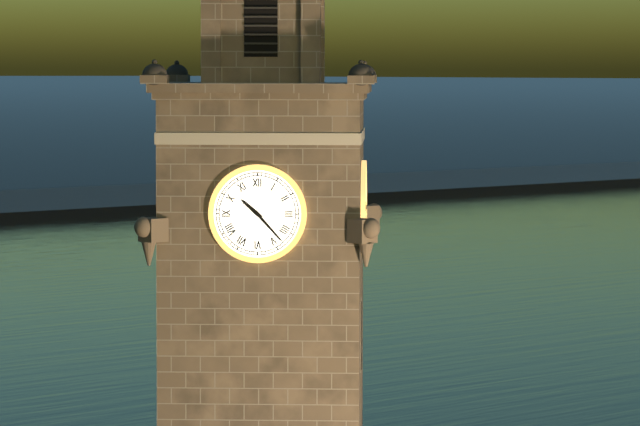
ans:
**10:23**
